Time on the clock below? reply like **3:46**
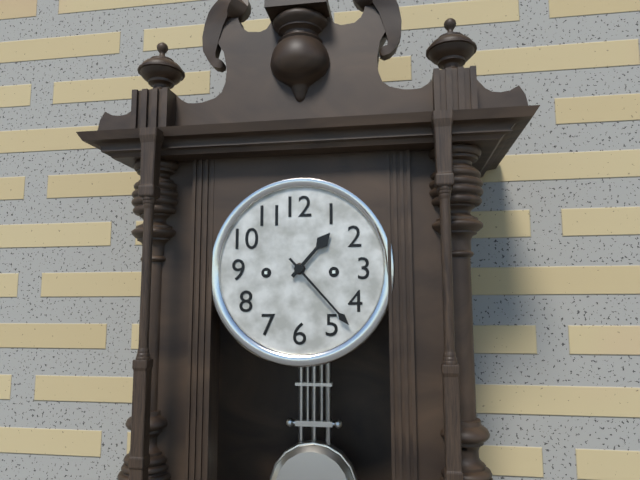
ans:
**1:23**
